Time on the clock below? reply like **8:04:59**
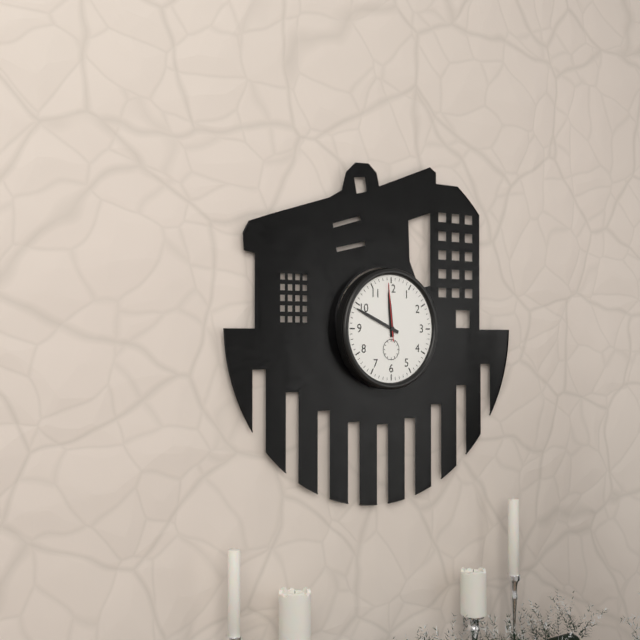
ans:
**11:49:59**
